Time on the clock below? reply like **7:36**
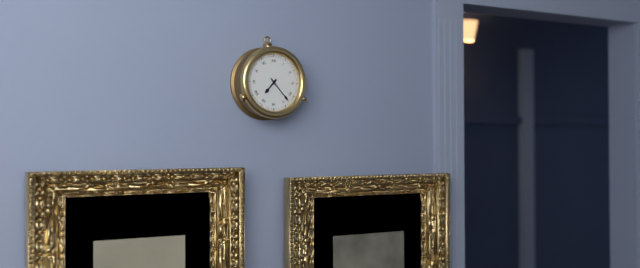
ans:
**7:23**
